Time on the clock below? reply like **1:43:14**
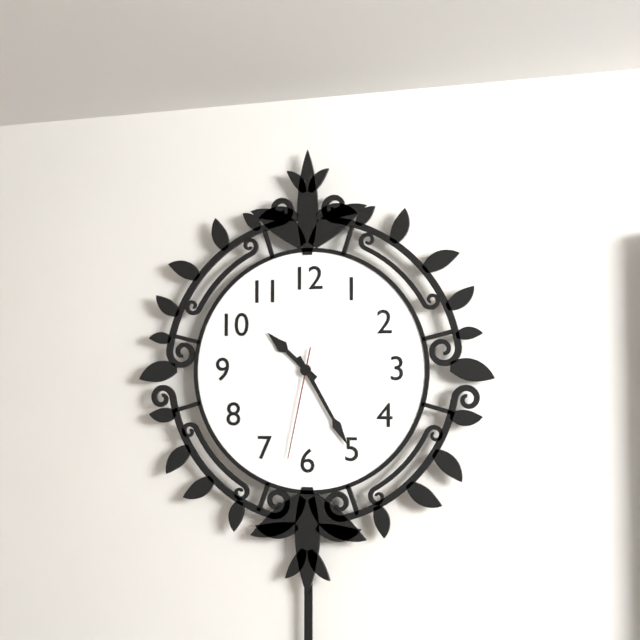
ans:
**10:25:32**
